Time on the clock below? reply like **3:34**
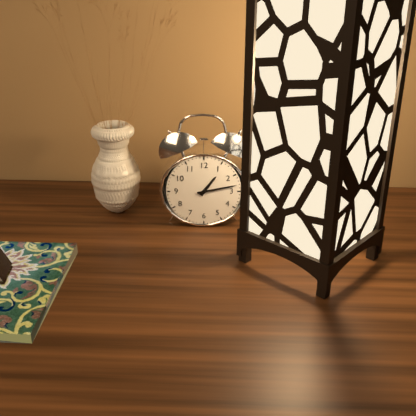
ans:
**1:13**
